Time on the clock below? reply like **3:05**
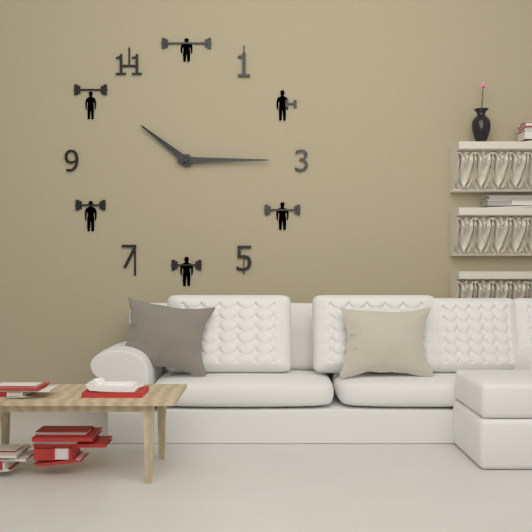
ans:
**10:15**
